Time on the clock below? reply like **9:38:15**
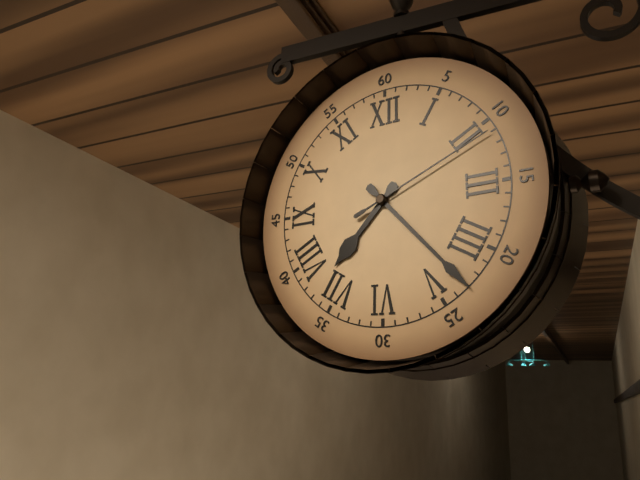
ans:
**7:23:11**
